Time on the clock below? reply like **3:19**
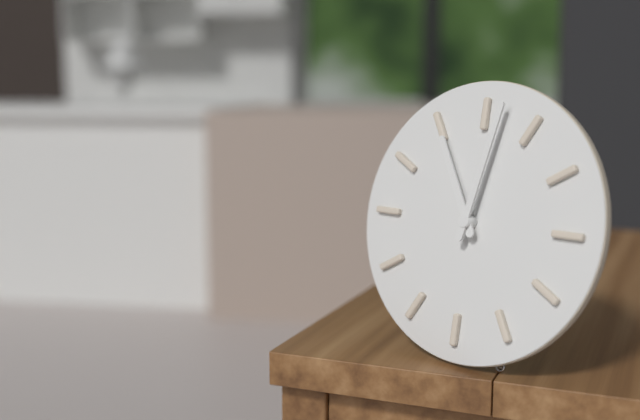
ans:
**11:02**
